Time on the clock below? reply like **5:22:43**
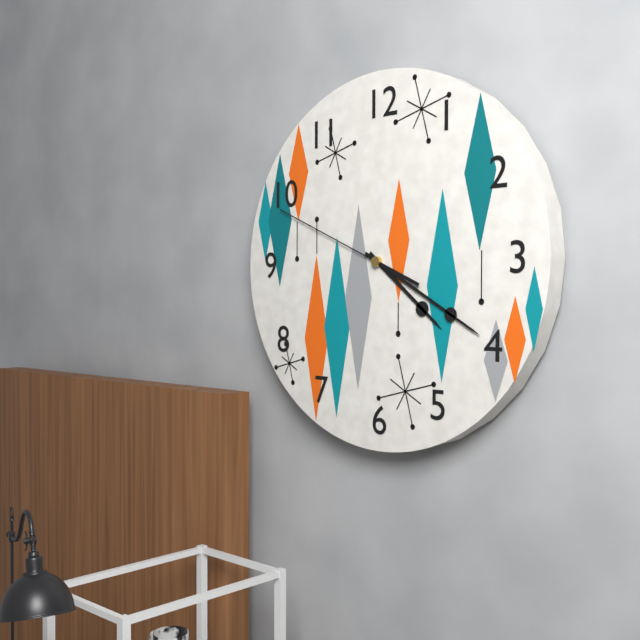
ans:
**4:20:49**
